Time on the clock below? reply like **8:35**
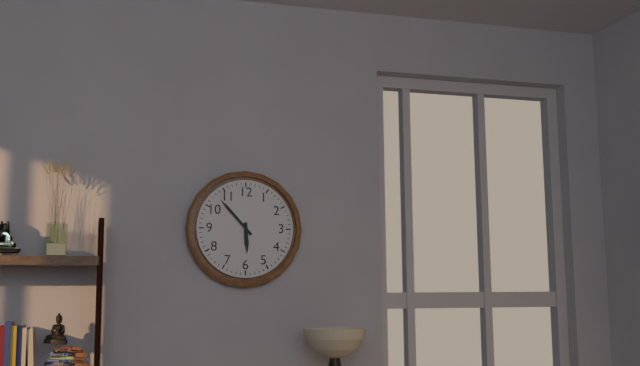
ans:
**5:53**
